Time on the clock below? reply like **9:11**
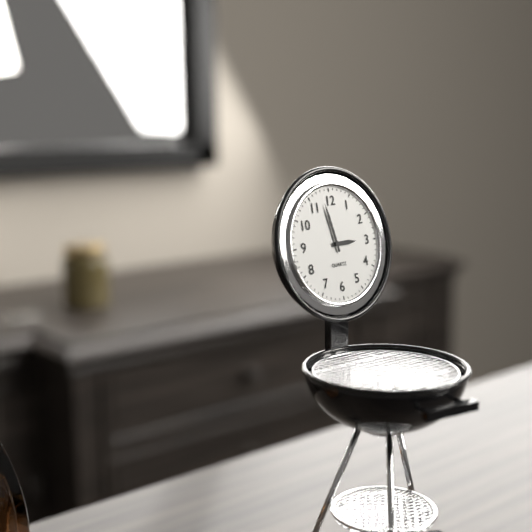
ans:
**2:58**
